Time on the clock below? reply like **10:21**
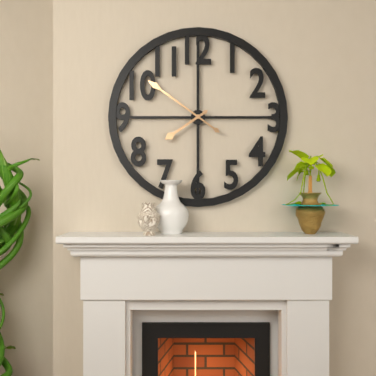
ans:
**7:51**
